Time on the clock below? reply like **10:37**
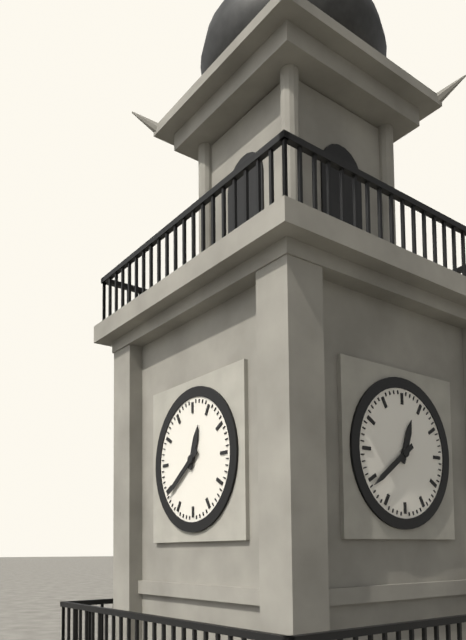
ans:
**12:39**
